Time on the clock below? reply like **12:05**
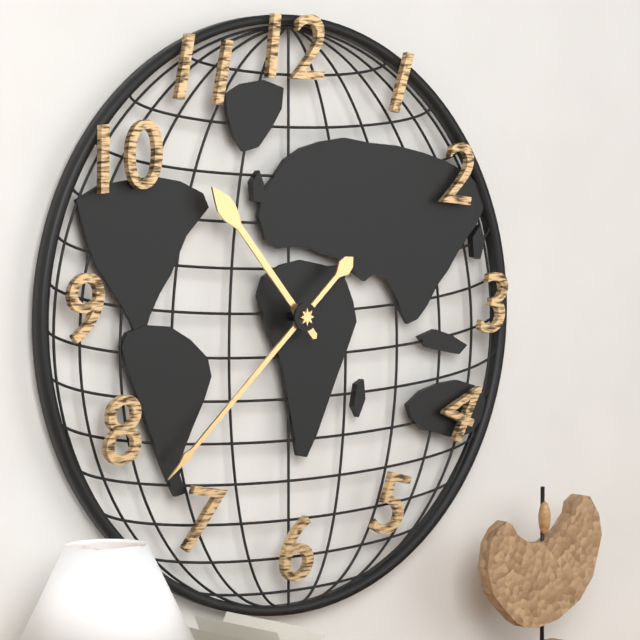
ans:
**10:38**
